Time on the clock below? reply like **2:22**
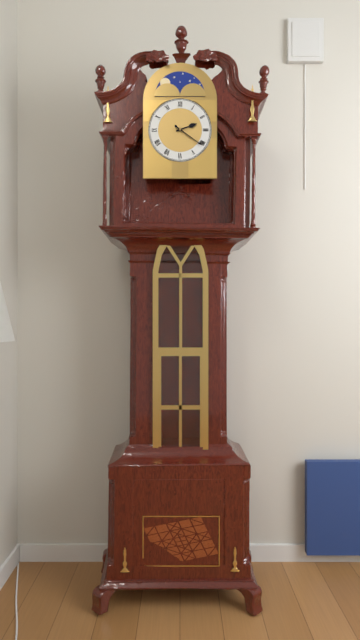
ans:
**2:21**
